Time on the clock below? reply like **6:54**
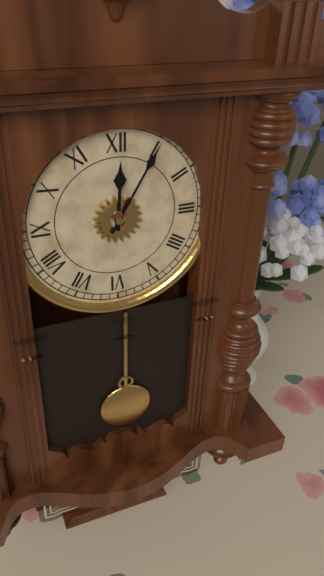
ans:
**12:05**
